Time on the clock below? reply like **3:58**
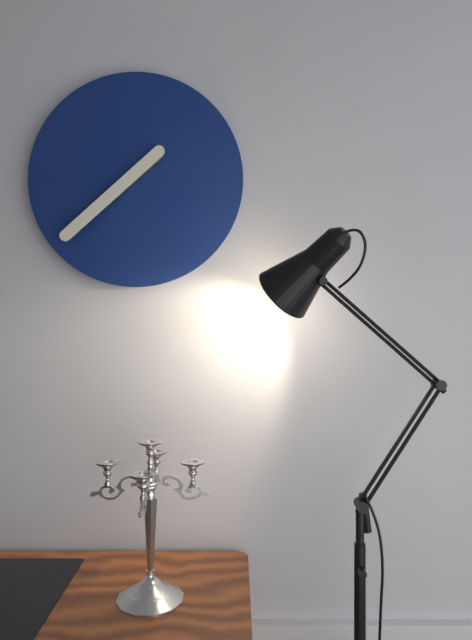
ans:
**7:38**
